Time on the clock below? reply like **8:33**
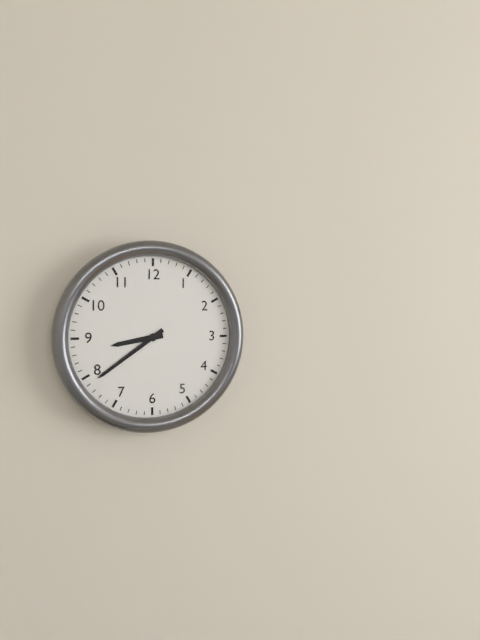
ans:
**8:39**
